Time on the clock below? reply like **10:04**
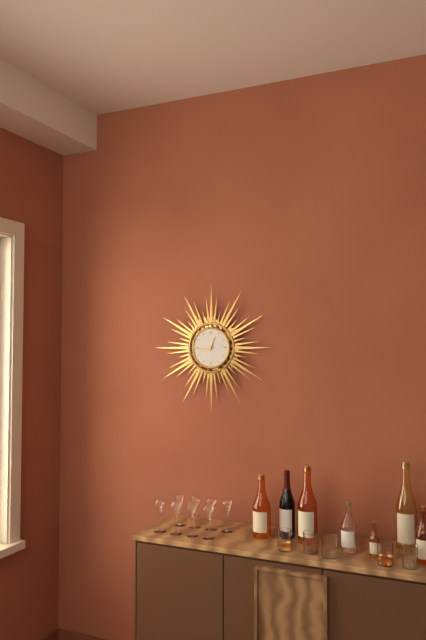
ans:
**12:44**
